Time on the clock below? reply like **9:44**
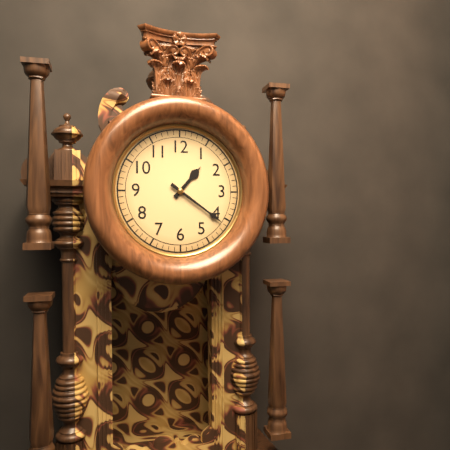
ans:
**1:21**
